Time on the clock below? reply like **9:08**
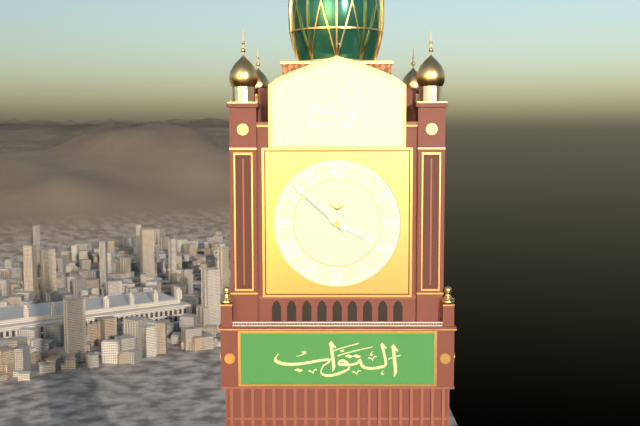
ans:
**3:52**
